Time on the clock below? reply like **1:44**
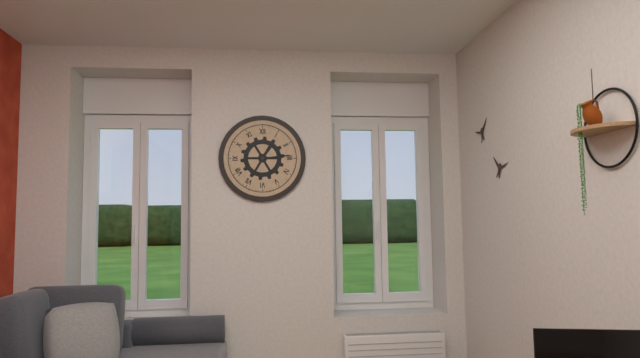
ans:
**1:14**
